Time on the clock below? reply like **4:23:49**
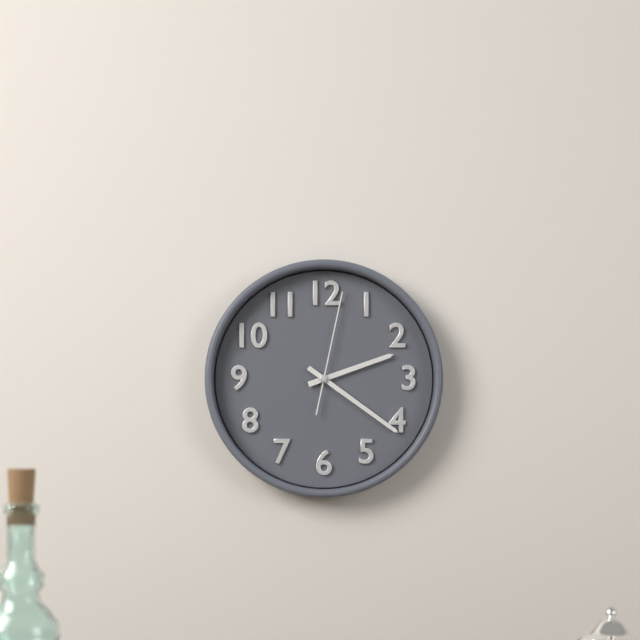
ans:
**2:21:02**
